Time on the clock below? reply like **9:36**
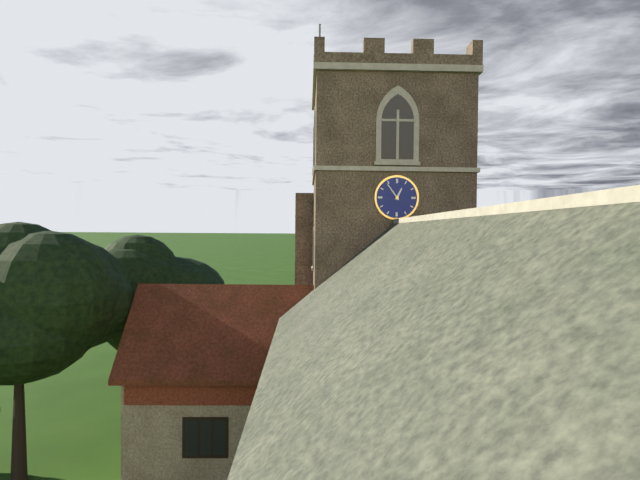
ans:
**12:54**
